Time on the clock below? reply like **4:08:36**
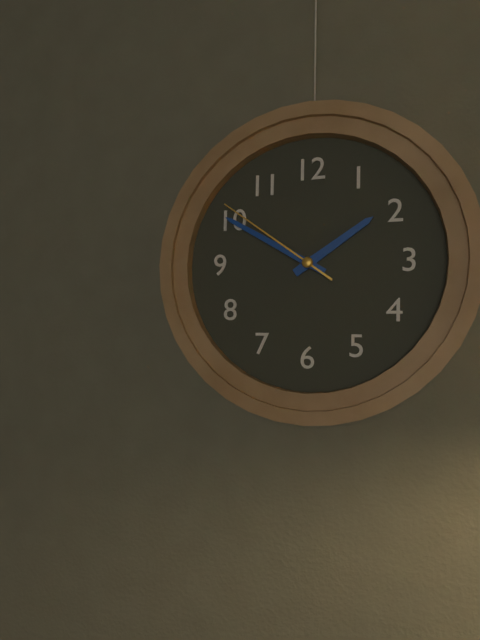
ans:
**1:50:51**
